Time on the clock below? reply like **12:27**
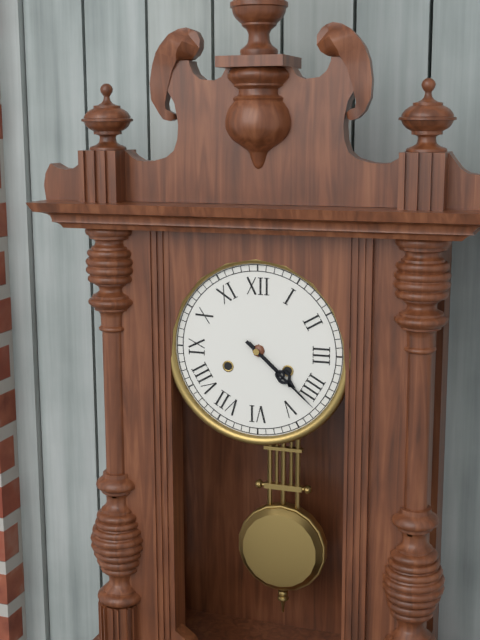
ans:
**4:22**
